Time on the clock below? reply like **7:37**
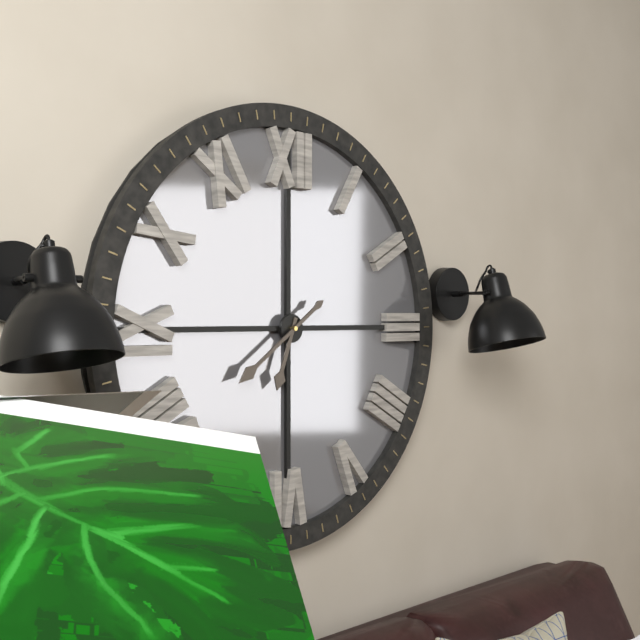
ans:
**6:39**
